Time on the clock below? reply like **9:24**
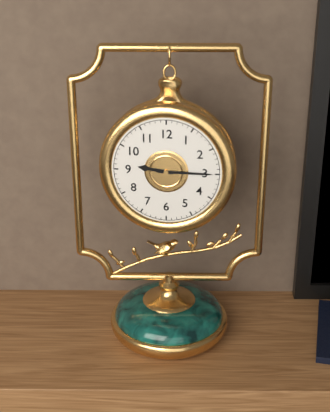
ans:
**9:15**
